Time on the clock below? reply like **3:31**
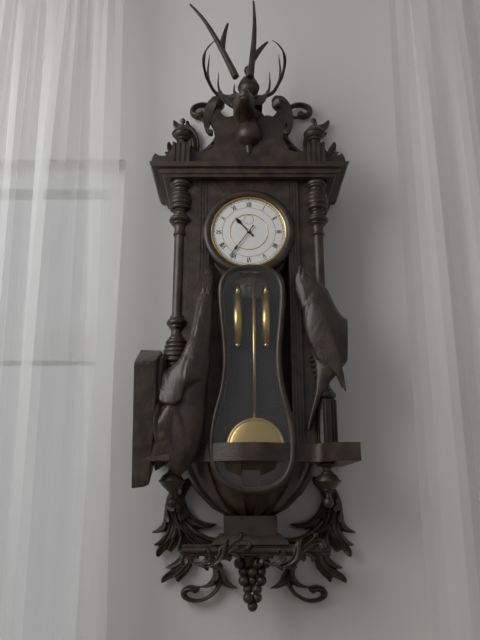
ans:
**10:36**
